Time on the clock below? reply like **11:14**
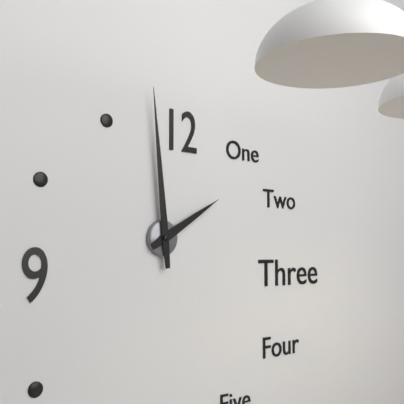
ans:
**1:59**
